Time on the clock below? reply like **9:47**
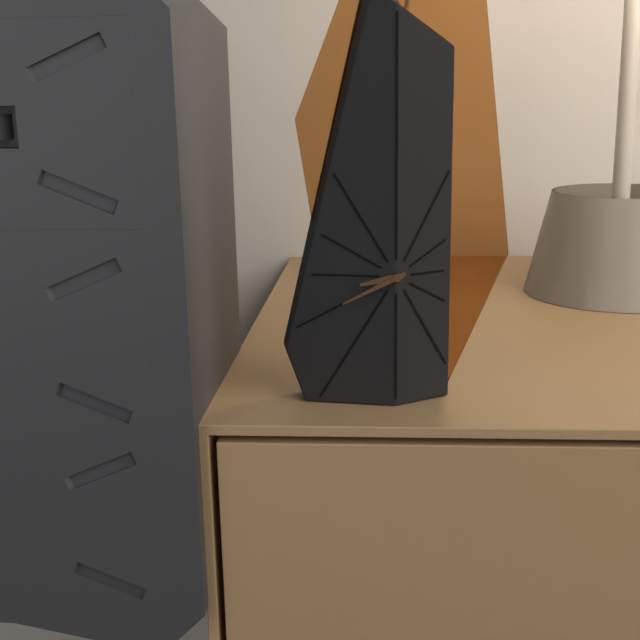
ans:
**8:41**
